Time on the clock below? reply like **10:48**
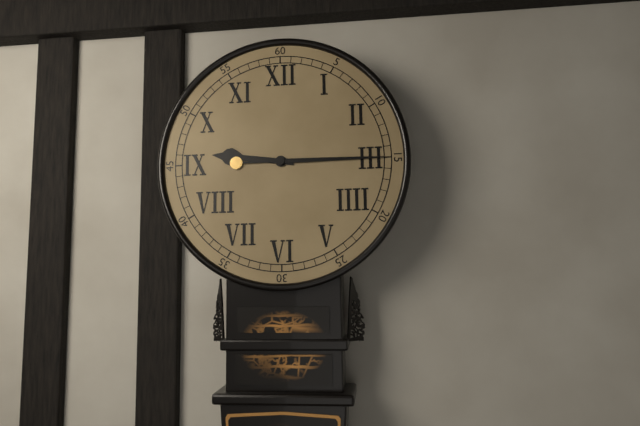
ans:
**9:15**
